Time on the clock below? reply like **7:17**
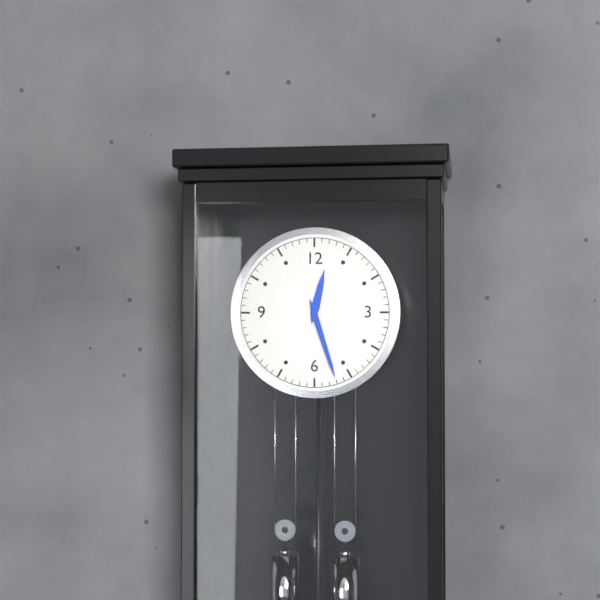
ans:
**12:27**
